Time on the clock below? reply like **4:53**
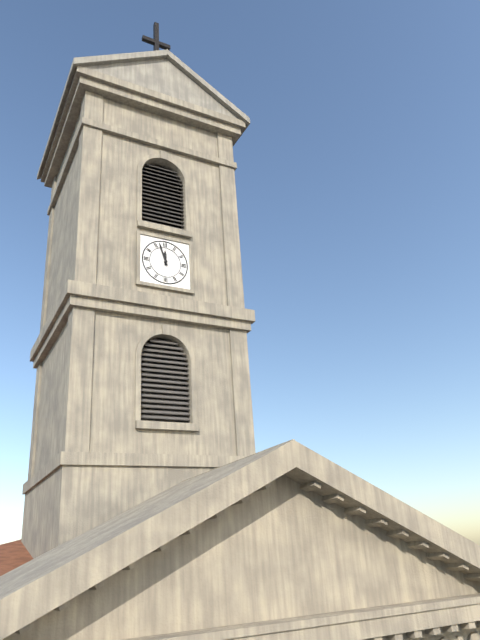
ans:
**11:57**
